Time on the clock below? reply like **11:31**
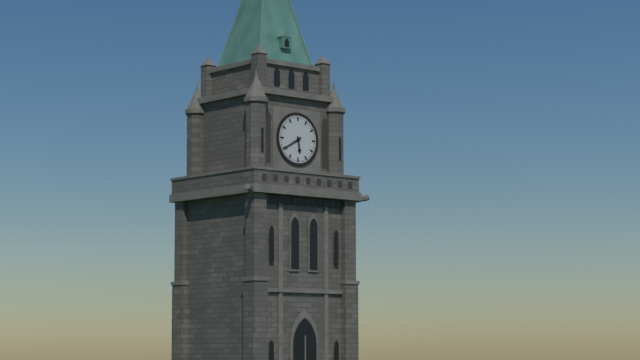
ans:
**5:40**
